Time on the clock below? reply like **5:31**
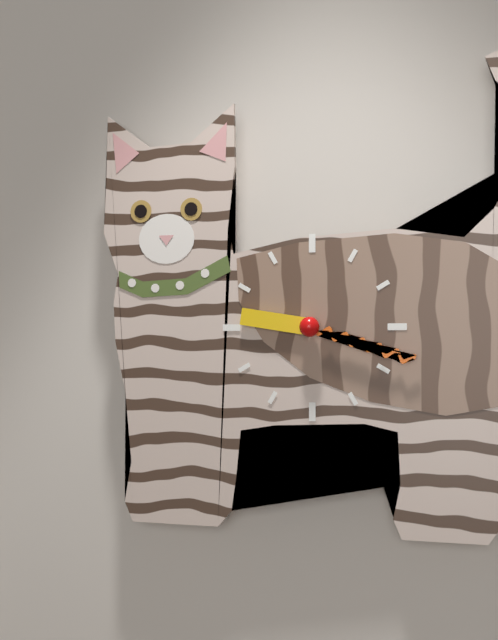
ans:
**9:18**
